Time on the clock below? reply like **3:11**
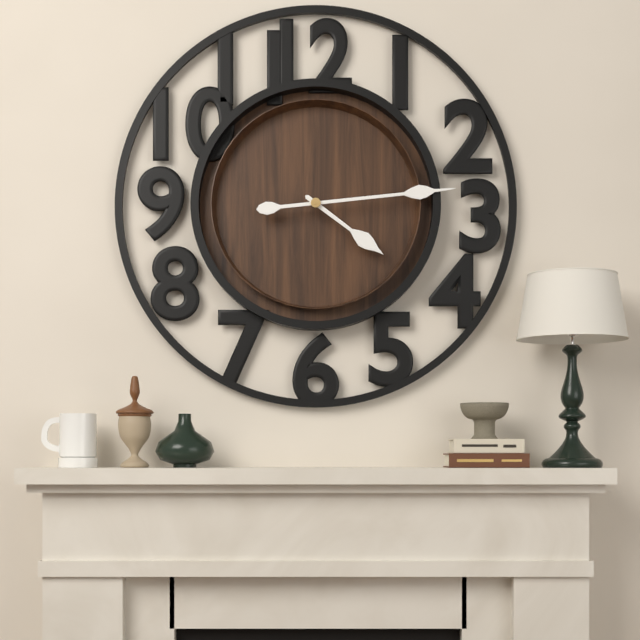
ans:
**4:14**
